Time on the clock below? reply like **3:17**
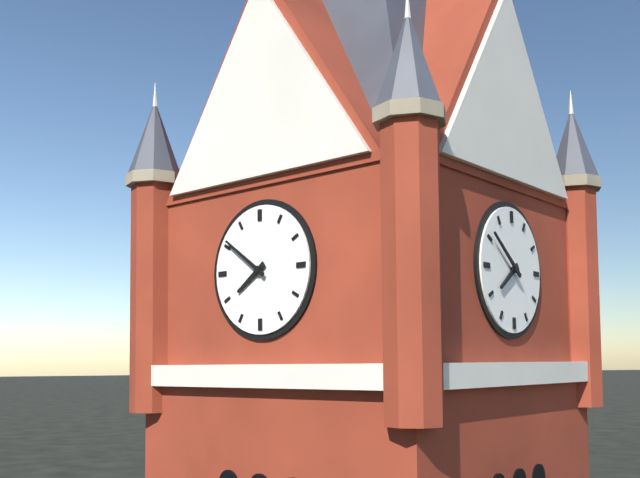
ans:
**7:51**
